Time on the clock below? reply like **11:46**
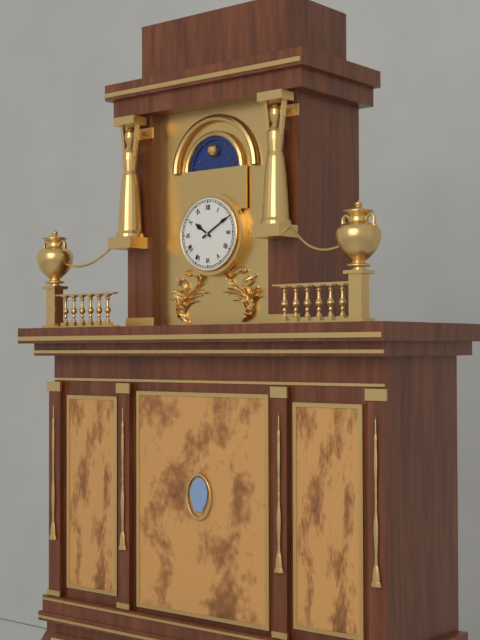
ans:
**10:10**
